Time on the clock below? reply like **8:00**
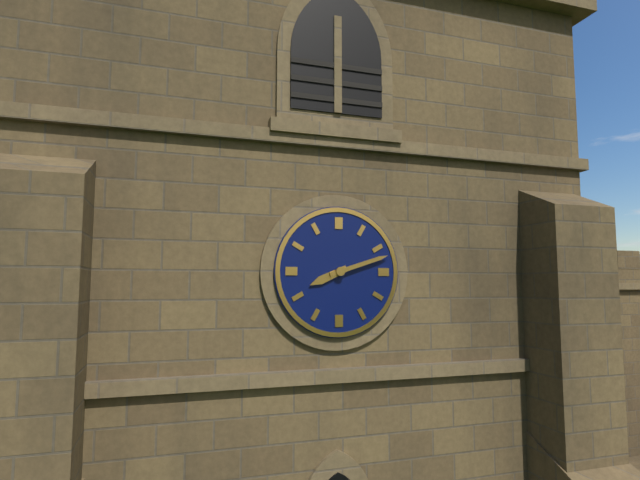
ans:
**8:12**
